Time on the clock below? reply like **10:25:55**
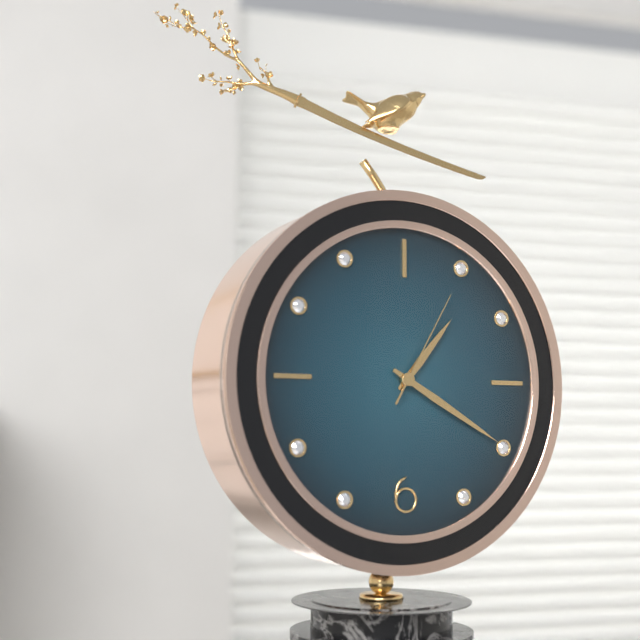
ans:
**1:20:05**
